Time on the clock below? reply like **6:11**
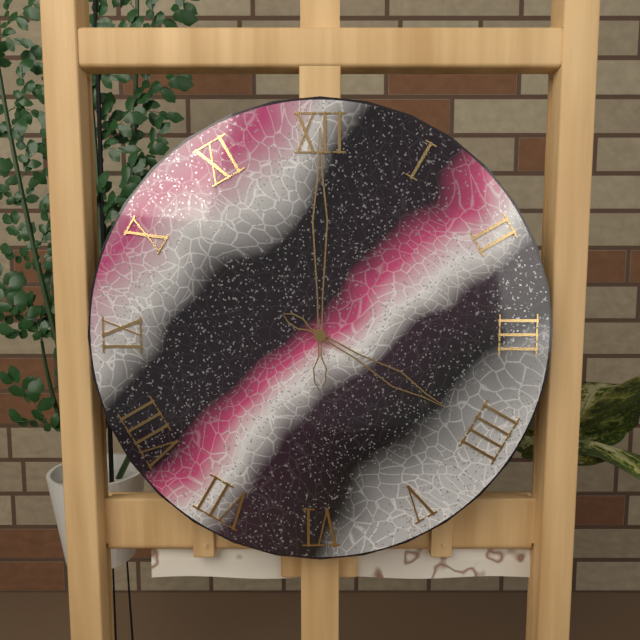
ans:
**4:00**
